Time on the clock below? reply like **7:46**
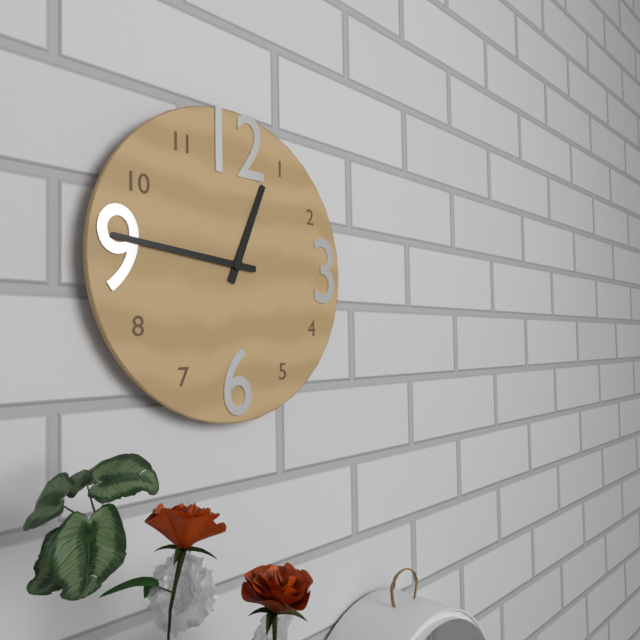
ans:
**12:46**
